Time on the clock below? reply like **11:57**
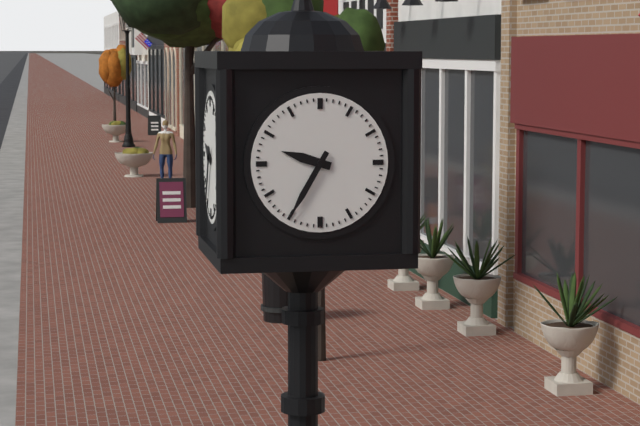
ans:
**9:35**
